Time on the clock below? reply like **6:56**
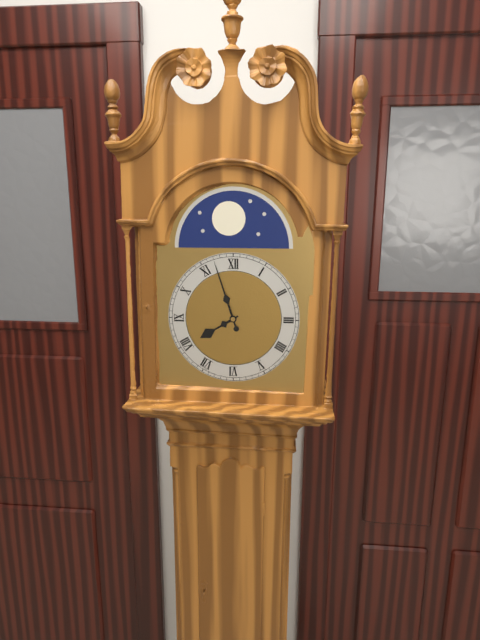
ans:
**7:57**
